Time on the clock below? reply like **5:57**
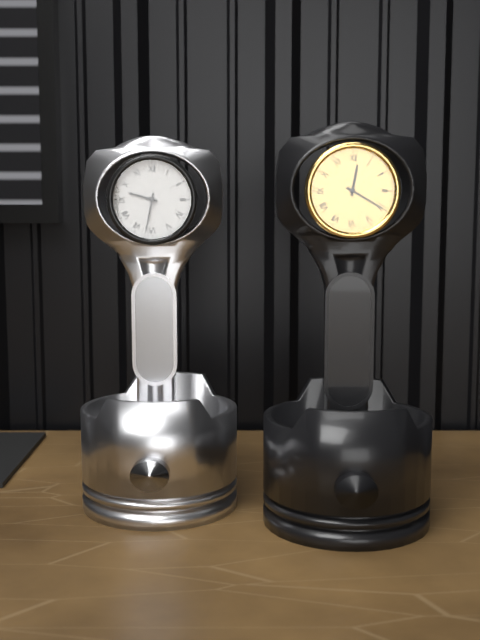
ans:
**9:32**
